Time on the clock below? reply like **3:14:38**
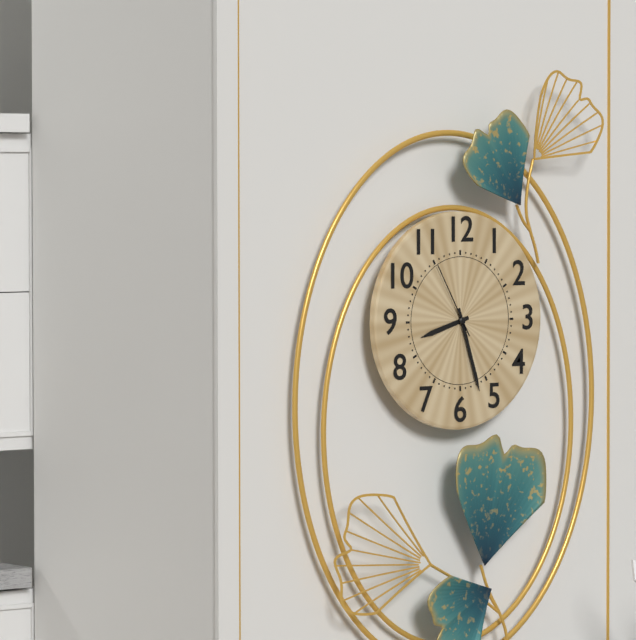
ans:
**8:27:55**
